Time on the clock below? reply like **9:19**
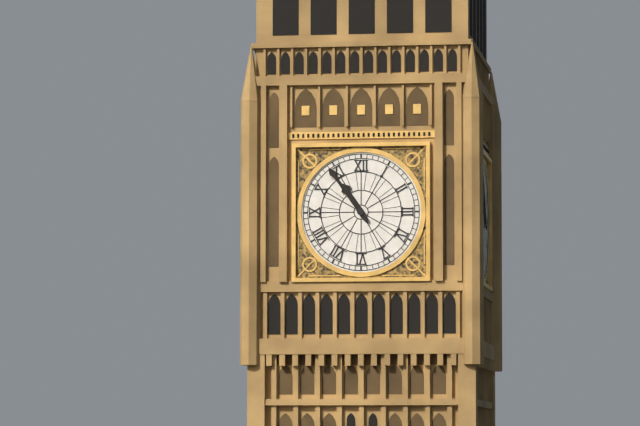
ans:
**10:54**
